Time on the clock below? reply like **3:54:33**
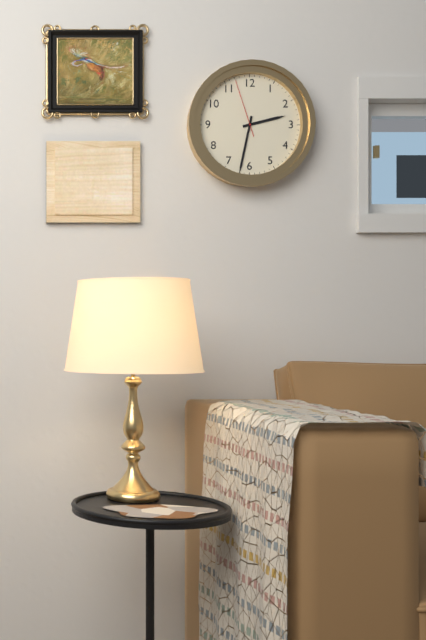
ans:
**2:32:57**
